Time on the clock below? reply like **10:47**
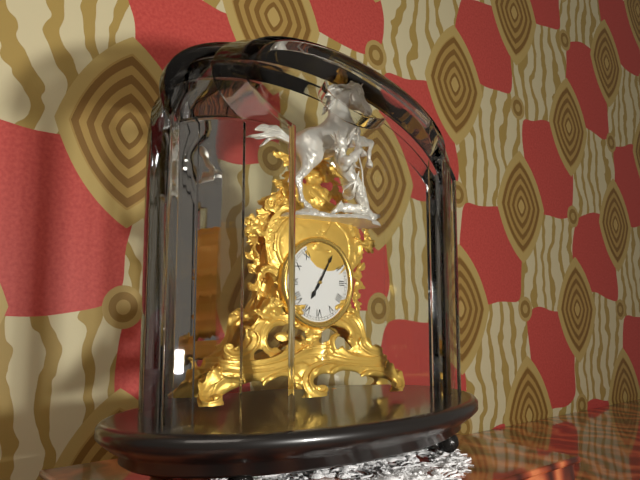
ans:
**7:05**
